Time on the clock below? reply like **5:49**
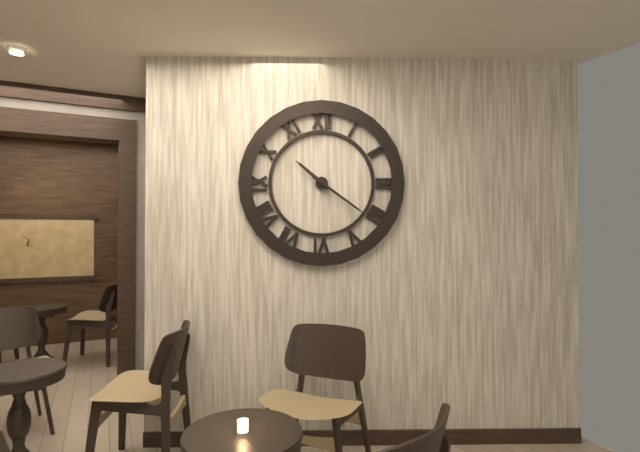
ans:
**10:21**
